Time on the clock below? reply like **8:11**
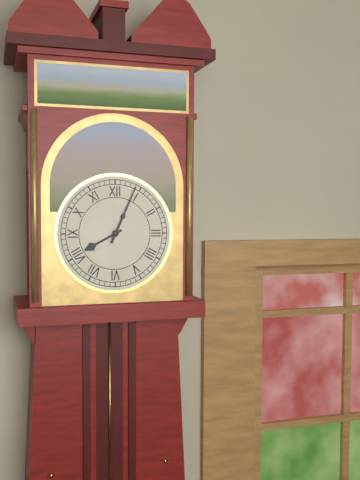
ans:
**8:04**
